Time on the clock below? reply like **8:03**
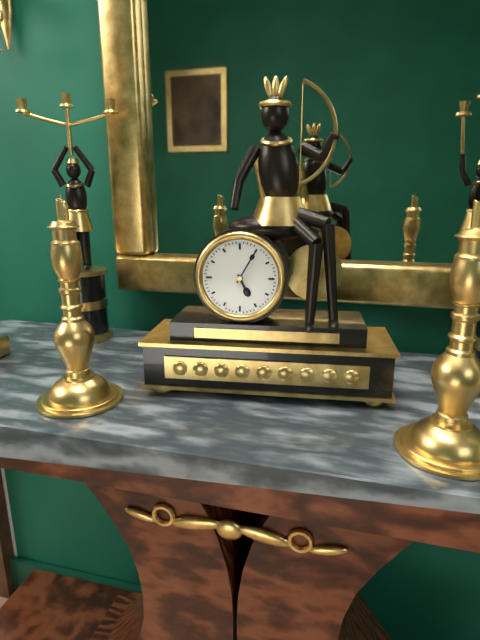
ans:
**5:05**
